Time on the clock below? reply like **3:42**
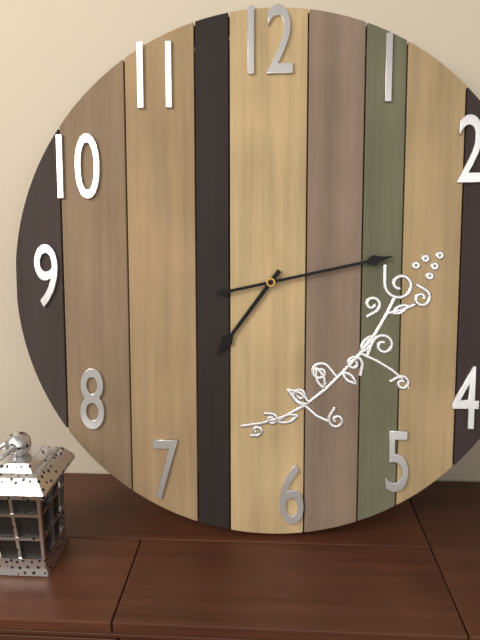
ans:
**7:13**
